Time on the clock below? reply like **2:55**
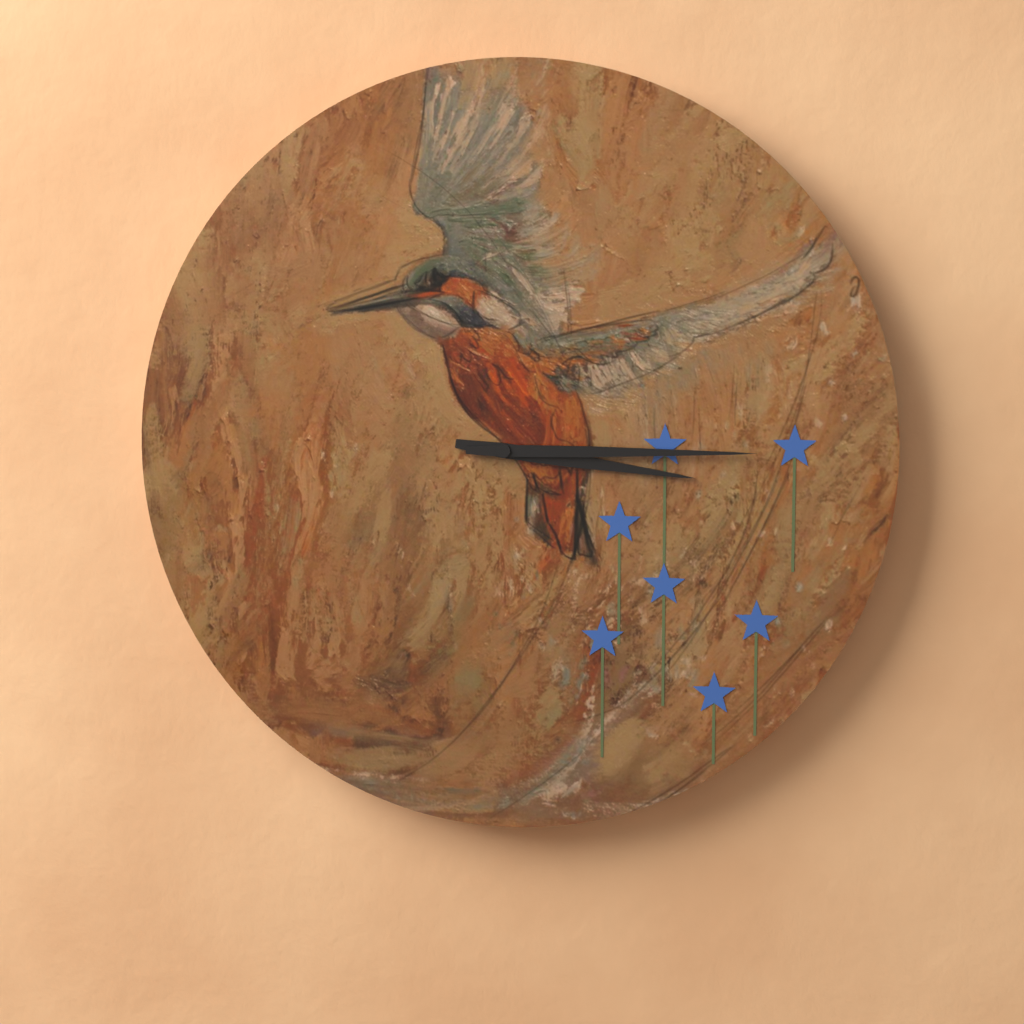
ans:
**3:15**
